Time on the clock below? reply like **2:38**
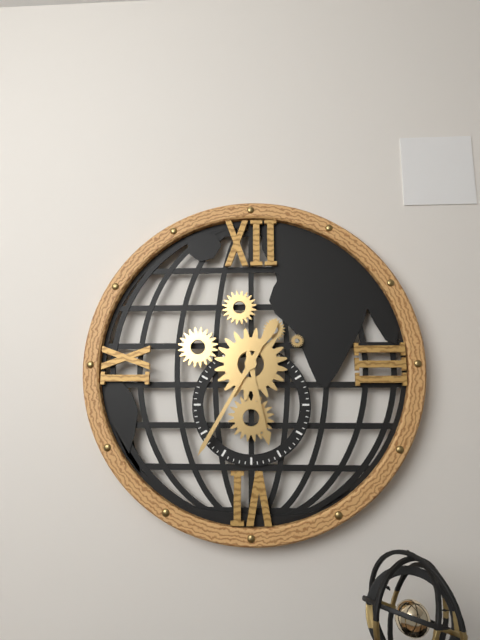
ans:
**5:35**
